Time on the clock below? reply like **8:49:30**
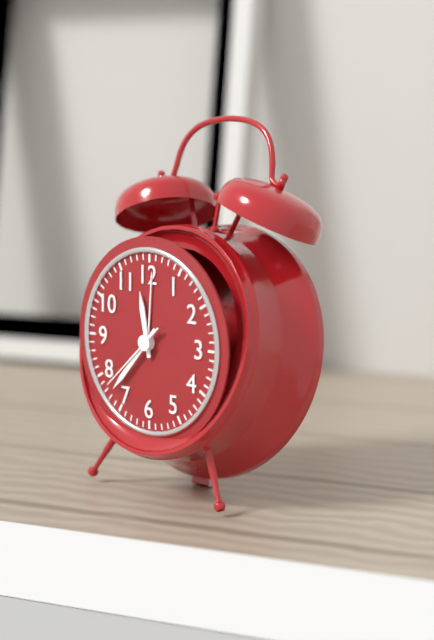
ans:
**11:37:38**
